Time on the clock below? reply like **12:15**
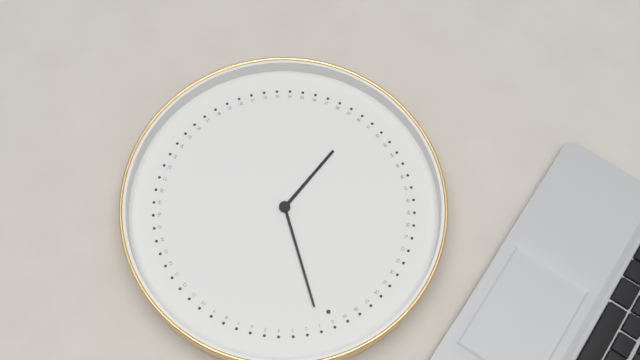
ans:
**8:01**
